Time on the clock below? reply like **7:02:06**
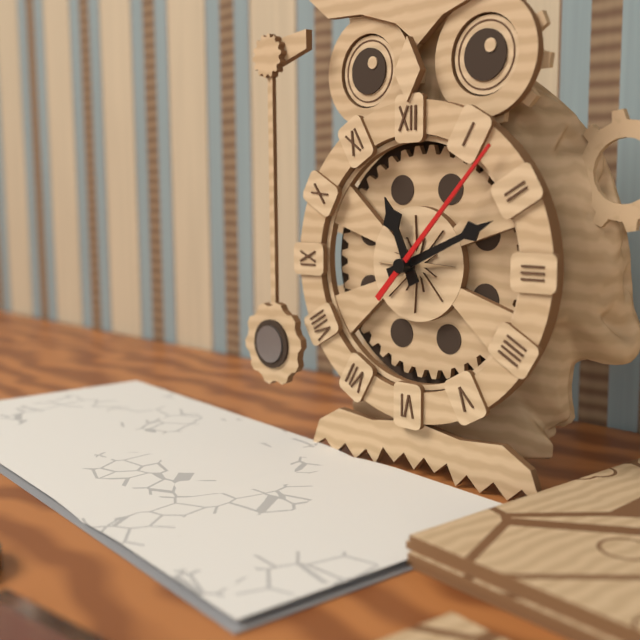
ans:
**11:11:07**
